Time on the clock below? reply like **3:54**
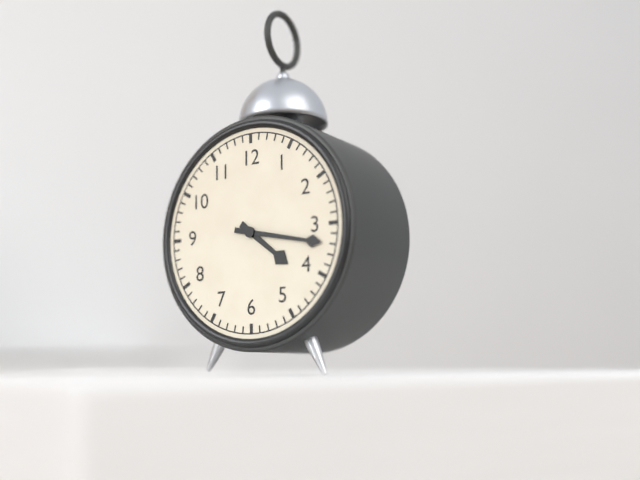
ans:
**4:17**
